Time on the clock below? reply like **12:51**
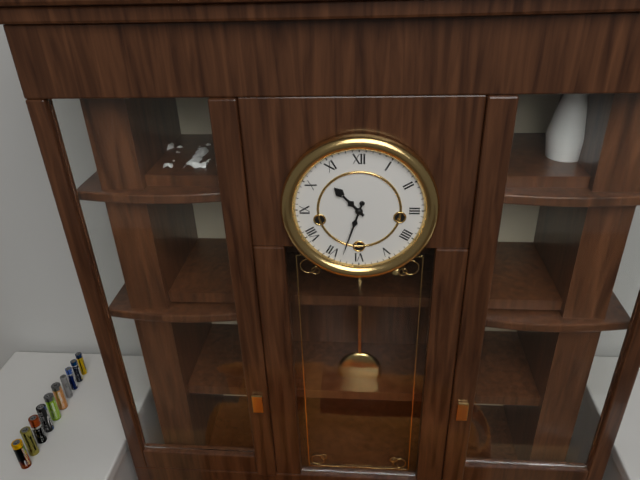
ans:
**10:33**
